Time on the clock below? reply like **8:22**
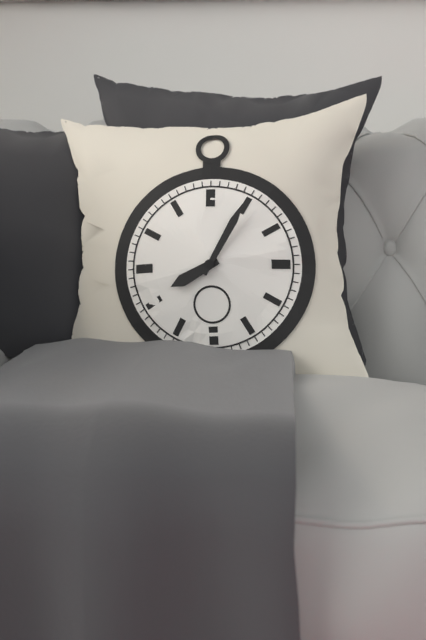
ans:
**8:05**
